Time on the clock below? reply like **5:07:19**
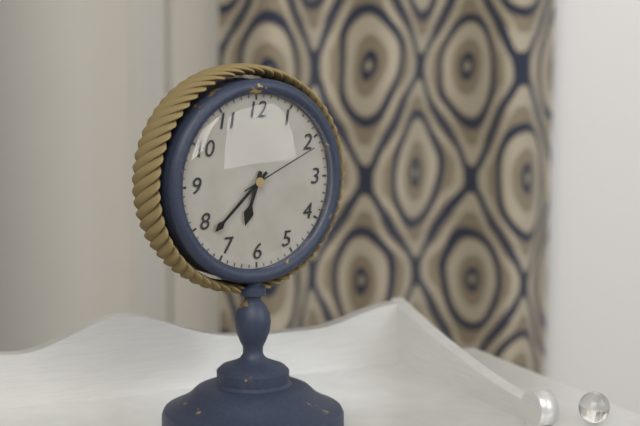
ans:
**6:38:11**
